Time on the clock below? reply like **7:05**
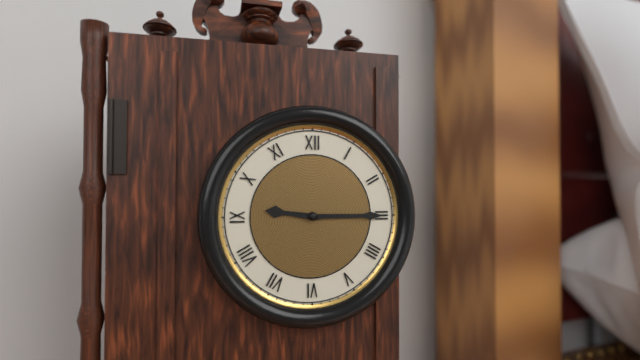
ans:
**9:15**
